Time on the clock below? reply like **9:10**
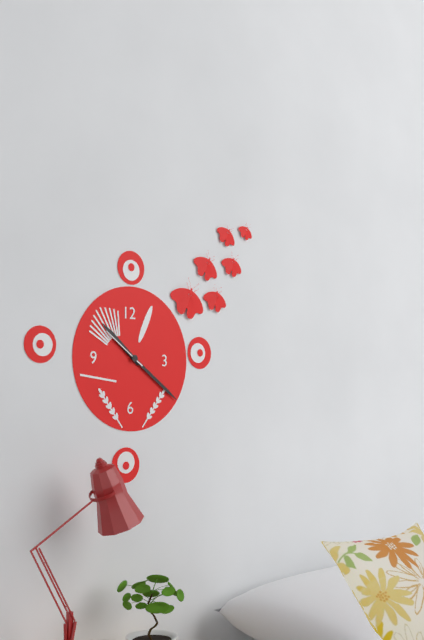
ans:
**10:21**
